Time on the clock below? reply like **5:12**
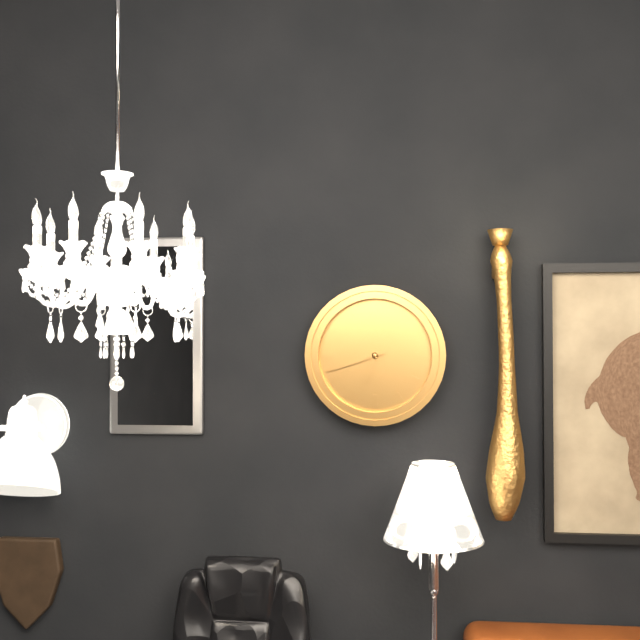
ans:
**6:42**
